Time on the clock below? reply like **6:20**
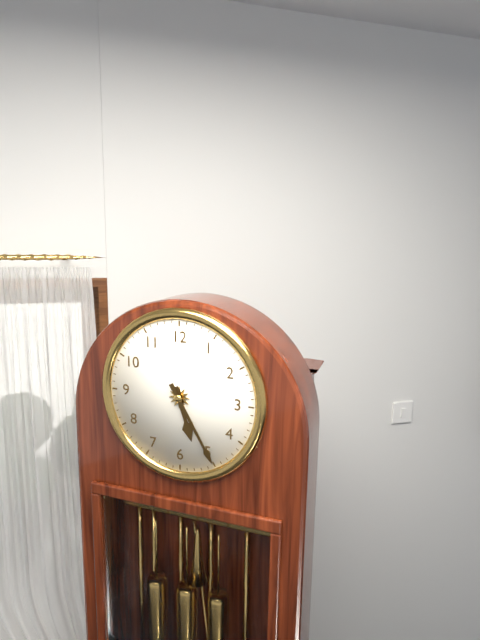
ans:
**5:25**
